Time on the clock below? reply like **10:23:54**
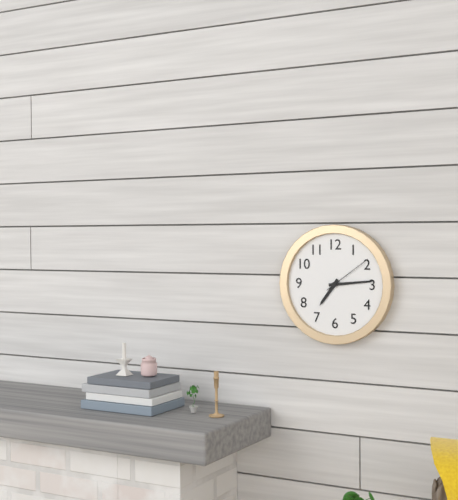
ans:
**7:14:09**
